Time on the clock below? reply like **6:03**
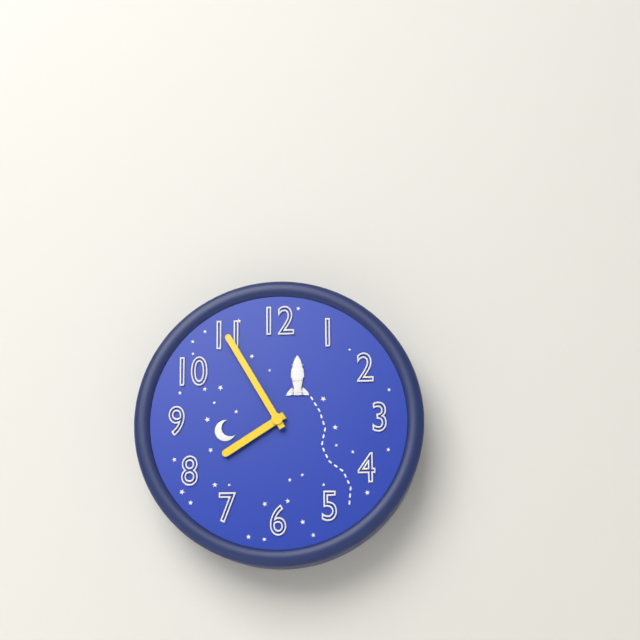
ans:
**7:55**
